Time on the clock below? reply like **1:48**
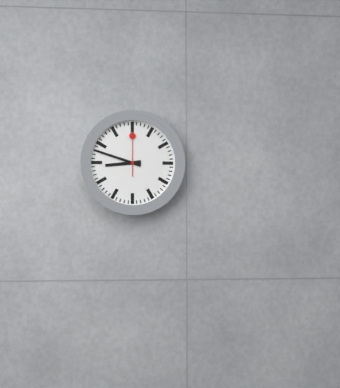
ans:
**8:48**
